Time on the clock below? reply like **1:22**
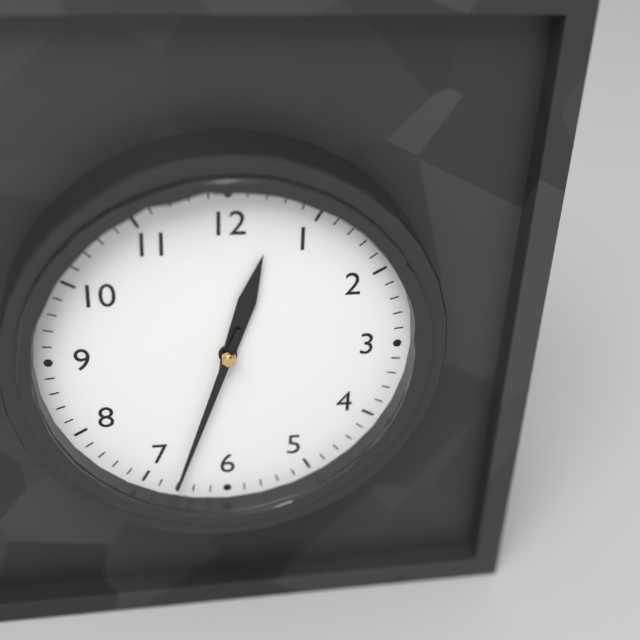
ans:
**12:33**
